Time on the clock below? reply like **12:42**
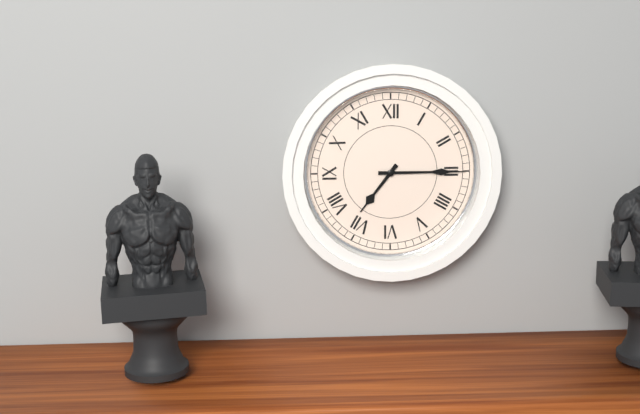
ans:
**7:15**
